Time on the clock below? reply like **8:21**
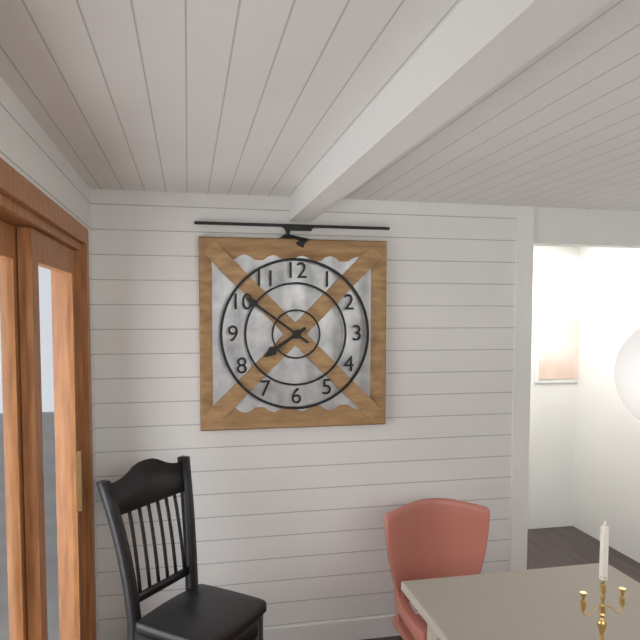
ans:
**7:51**
